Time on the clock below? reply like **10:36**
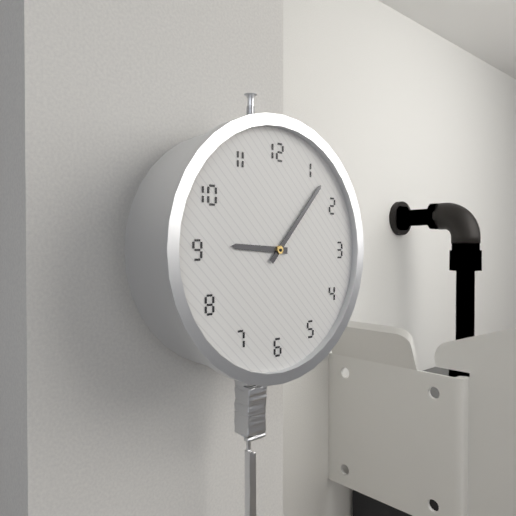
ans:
**9:07**
